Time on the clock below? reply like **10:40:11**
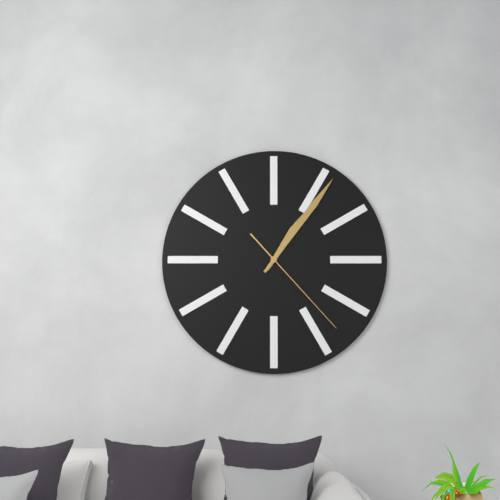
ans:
**1:06:23**
